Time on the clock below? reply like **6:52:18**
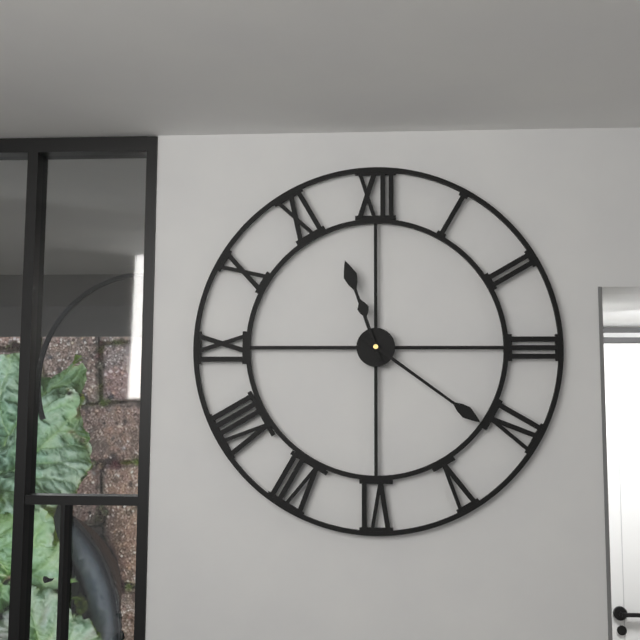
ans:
**11:21:57**
